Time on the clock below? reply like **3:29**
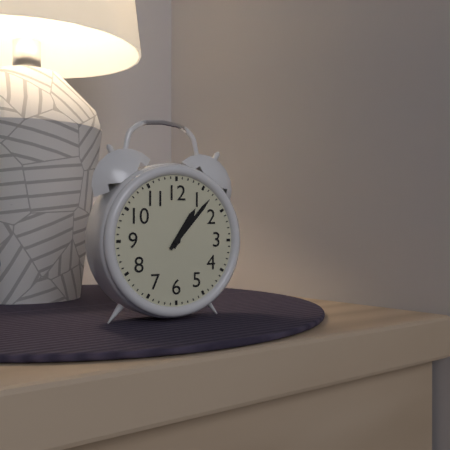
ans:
**1:07**
